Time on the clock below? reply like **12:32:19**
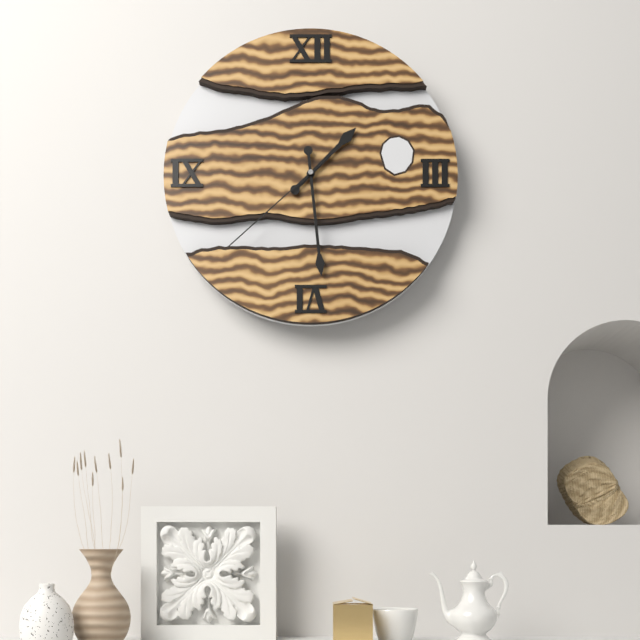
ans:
**1:29:38**
